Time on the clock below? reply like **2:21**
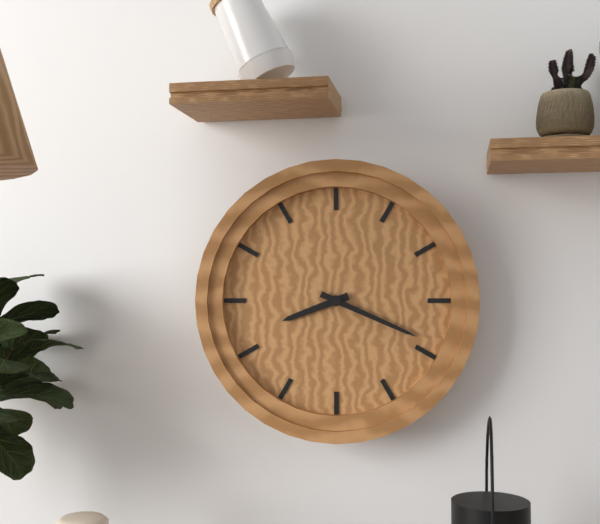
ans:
**8:19**
